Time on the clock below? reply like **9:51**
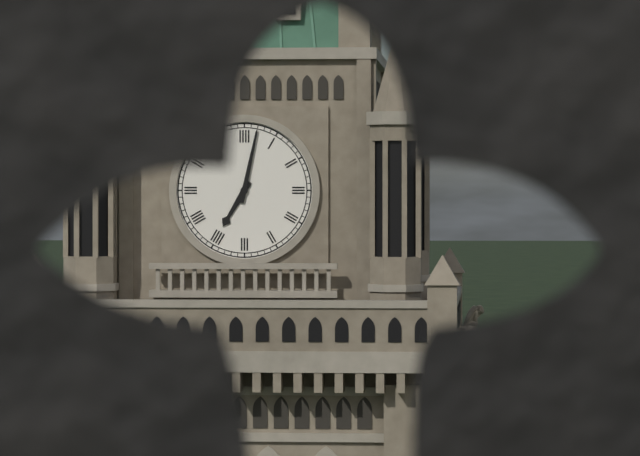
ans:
**7:02**
